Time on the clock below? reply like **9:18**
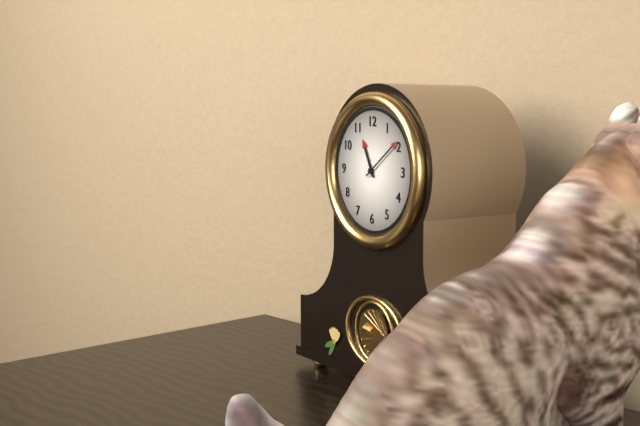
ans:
**11:09**
